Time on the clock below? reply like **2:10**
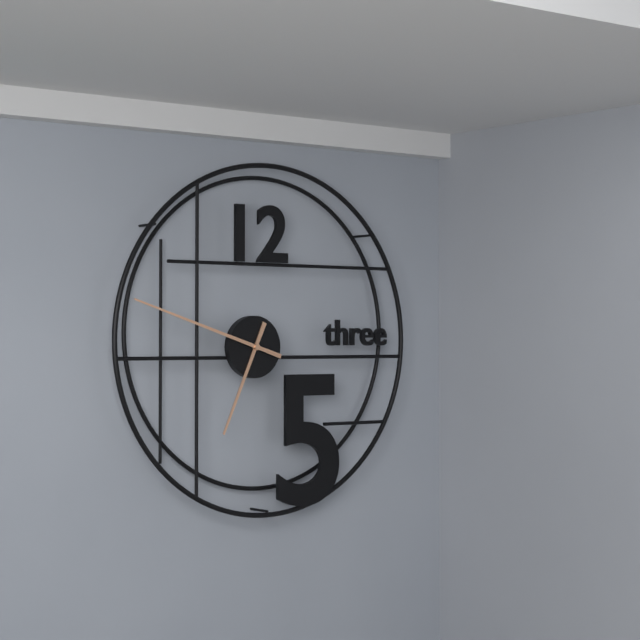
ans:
**6:48**
